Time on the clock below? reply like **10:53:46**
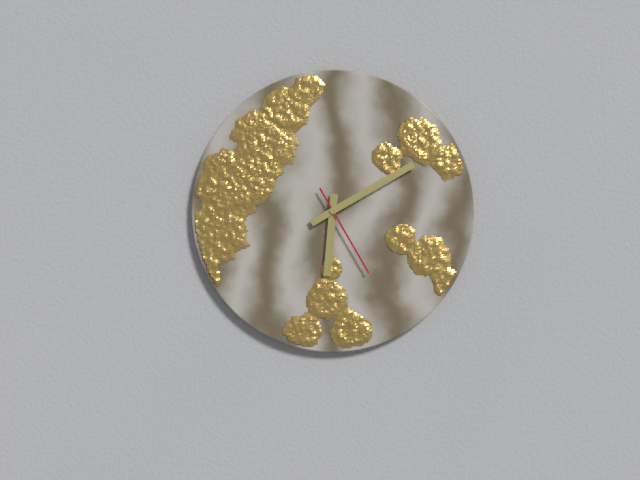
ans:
**6:10:25**
